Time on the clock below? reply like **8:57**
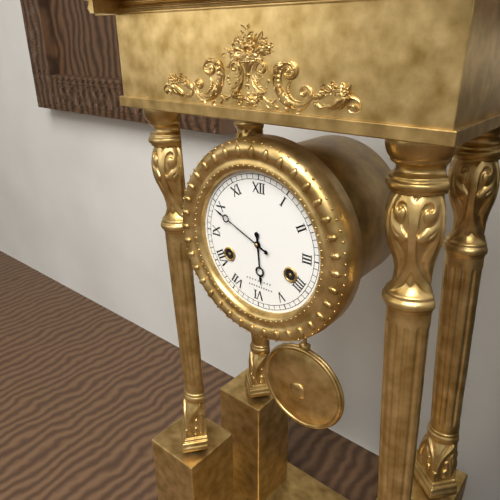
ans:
**5:49**
